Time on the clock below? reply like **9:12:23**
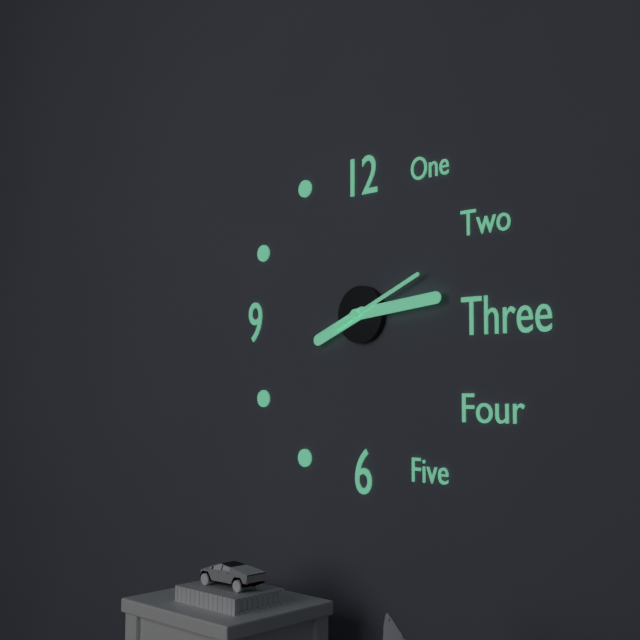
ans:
**8:14:11**
